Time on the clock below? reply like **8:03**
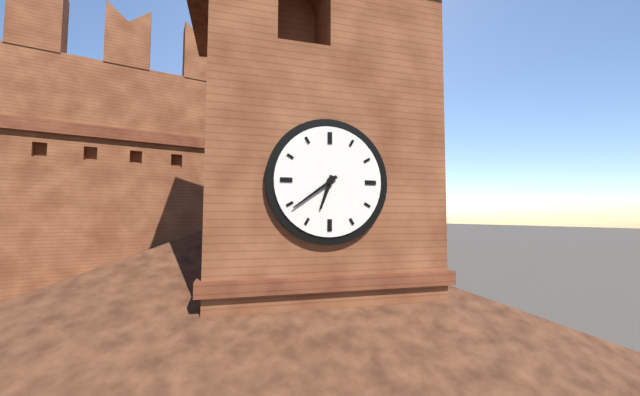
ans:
**6:39**
